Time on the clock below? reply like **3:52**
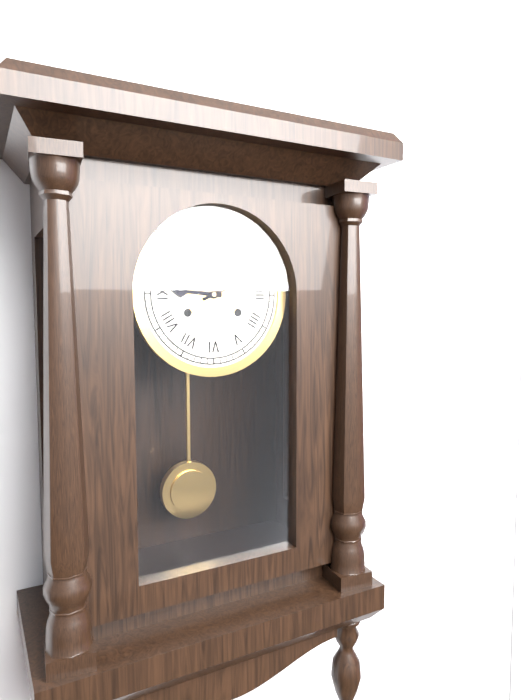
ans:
**9:11**
